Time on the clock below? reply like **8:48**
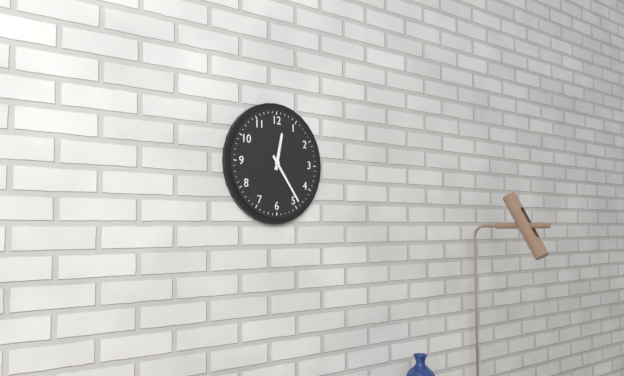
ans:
**12:24**
